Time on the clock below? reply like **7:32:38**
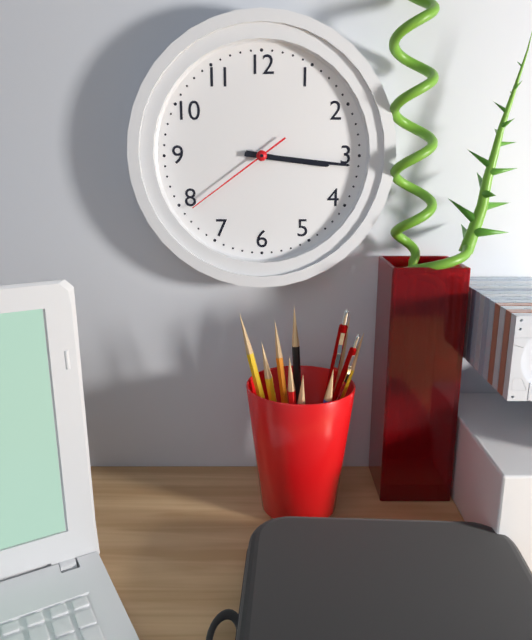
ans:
**3:16:39**
